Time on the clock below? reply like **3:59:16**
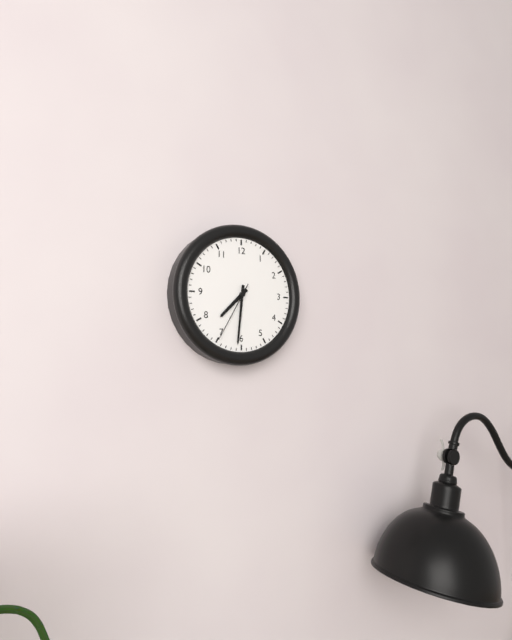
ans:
**7:31:35**
